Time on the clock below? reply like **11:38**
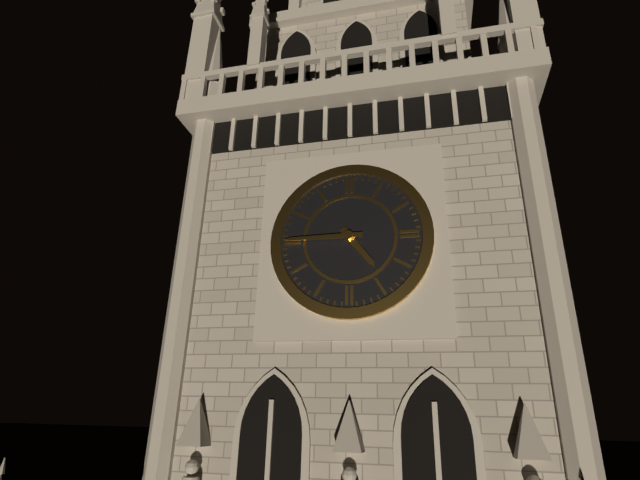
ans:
**4:45**
